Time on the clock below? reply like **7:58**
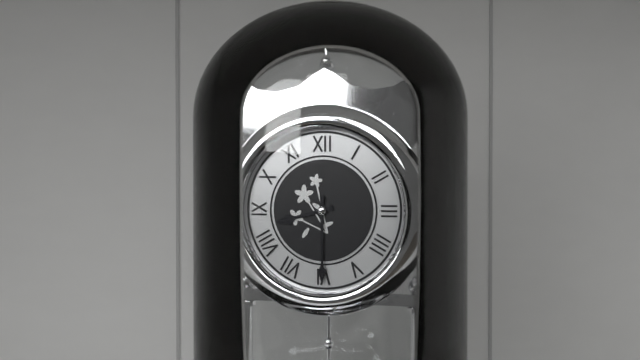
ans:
**8:30**
